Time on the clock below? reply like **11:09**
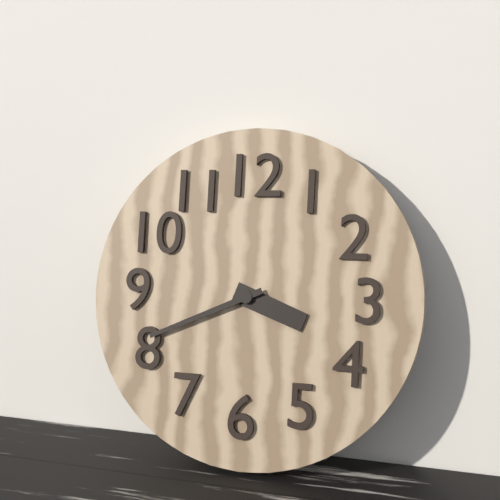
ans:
**3:41**
